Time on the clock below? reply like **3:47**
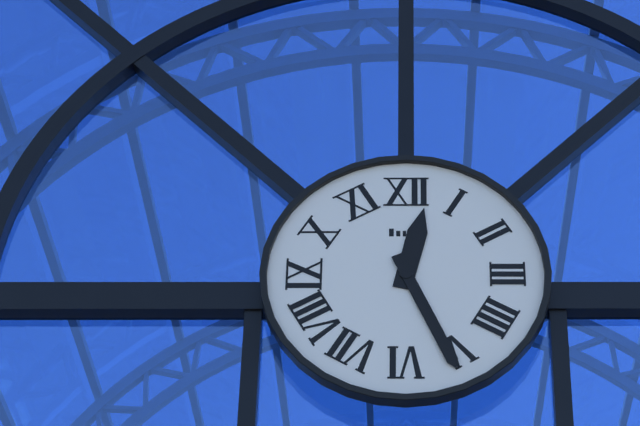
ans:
**12:26**
